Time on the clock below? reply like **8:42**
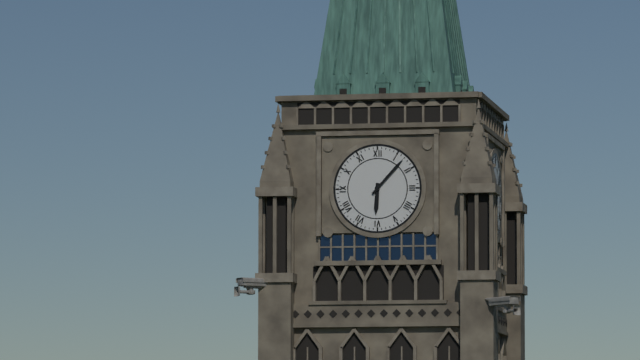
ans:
**6:07**
